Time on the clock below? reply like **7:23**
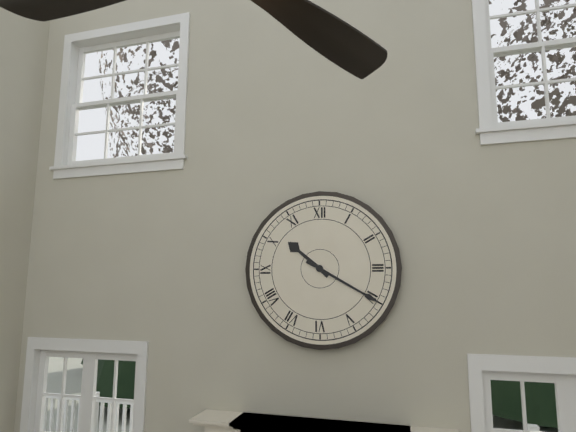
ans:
**10:20**
